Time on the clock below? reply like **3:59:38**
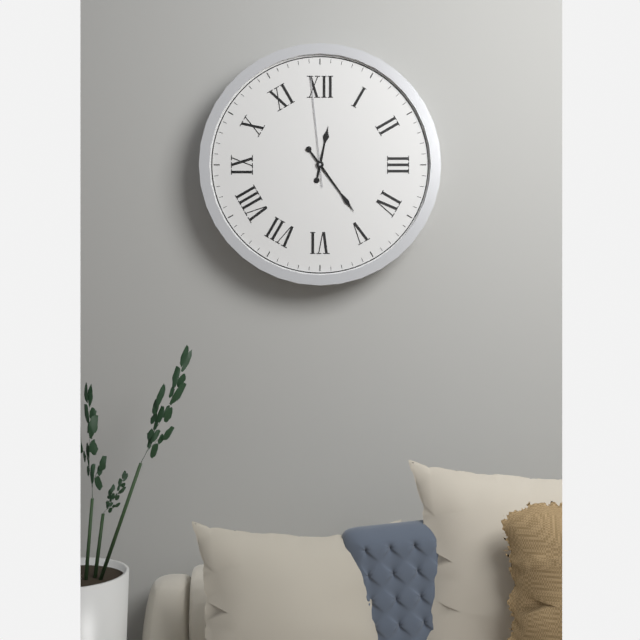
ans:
**12:24:59**
